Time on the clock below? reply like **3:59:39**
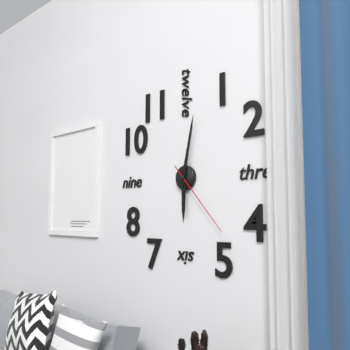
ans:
**6:02:23**
